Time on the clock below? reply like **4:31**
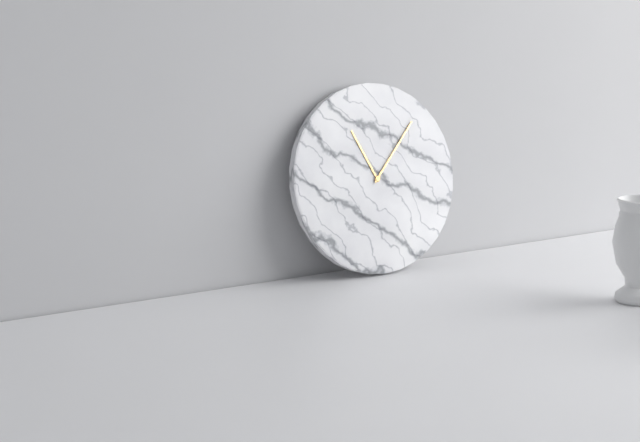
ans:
**11:07**
